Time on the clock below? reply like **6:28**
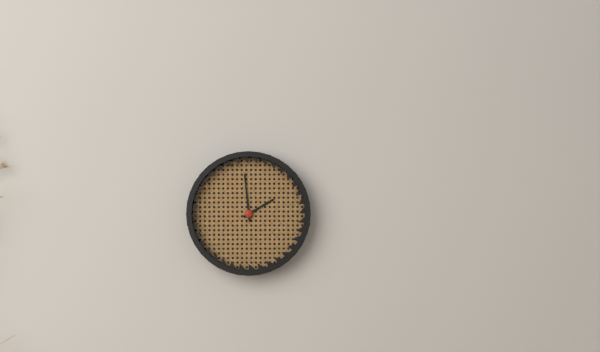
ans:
**1:59**
